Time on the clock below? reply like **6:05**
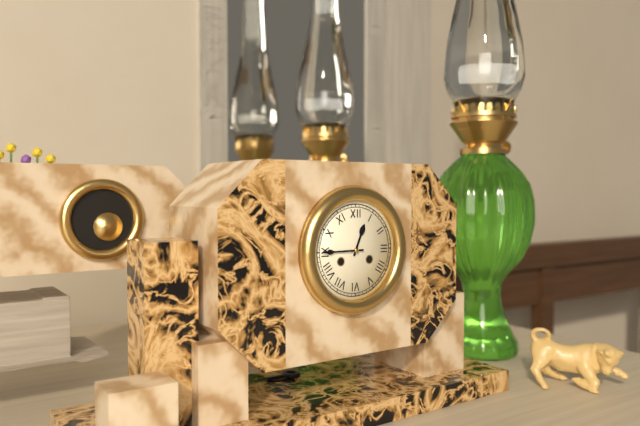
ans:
**12:45**
